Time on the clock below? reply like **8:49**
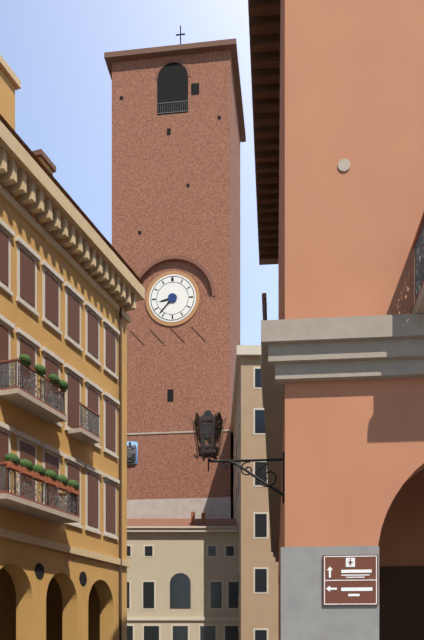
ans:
**8:37**
